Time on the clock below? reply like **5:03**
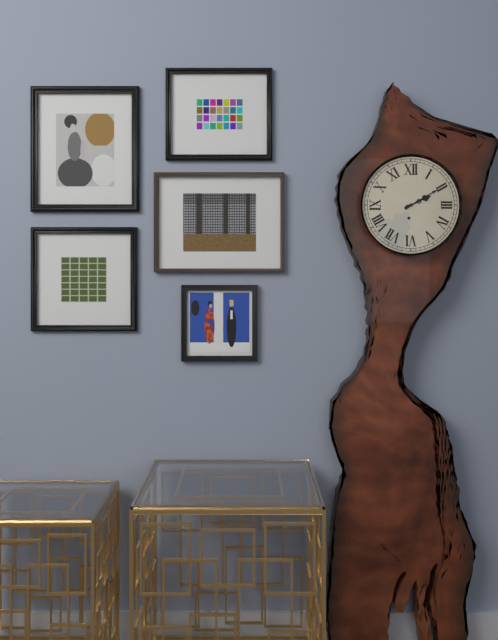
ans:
**2:10**
